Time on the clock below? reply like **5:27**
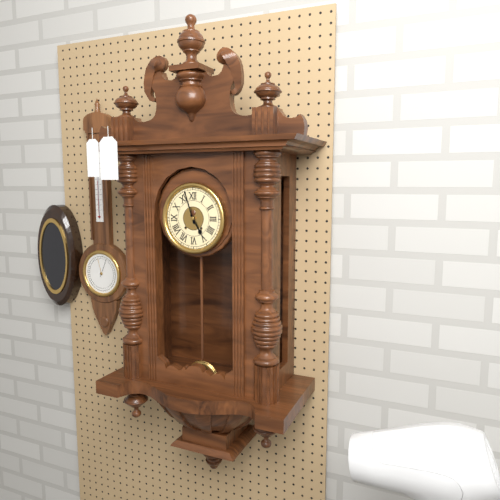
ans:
**4:57**
